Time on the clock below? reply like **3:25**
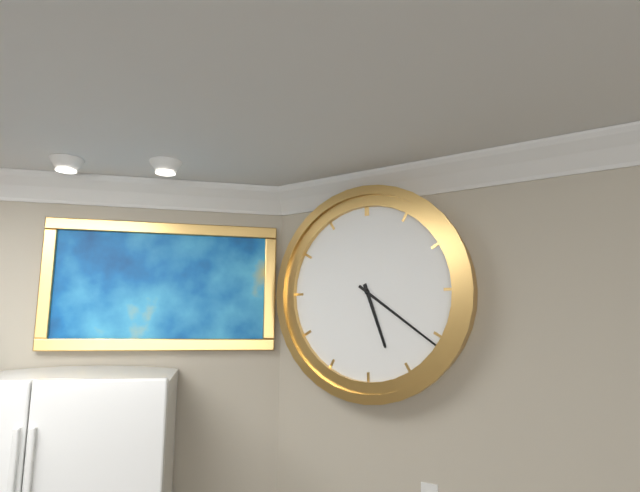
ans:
**5:21**
